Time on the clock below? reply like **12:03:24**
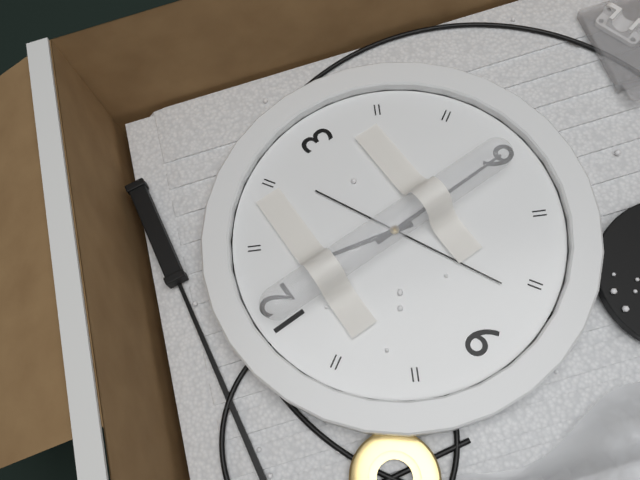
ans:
**12:30:41**
